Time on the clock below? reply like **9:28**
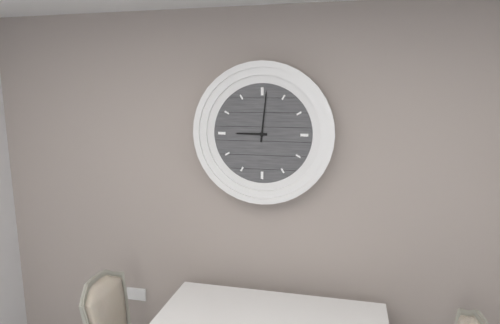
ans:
**9:01**
